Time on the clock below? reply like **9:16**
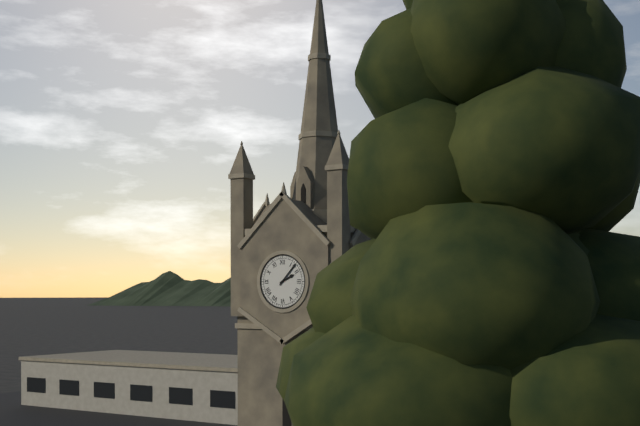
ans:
**2:07**
